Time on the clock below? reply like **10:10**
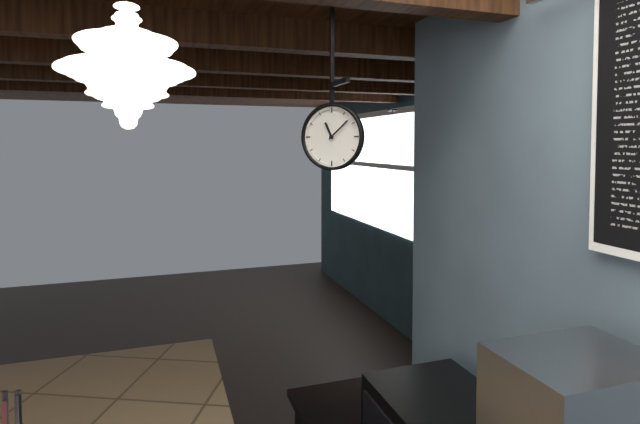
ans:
**11:08**
